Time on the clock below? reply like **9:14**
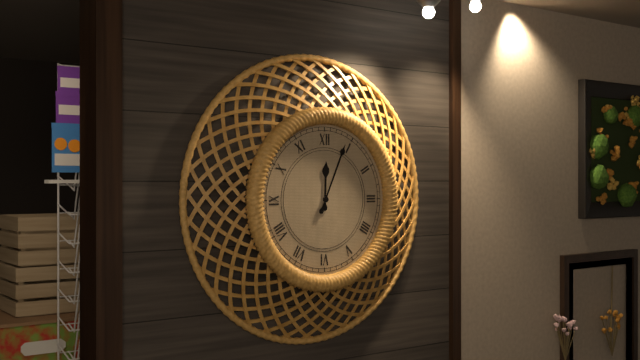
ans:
**12:04**
